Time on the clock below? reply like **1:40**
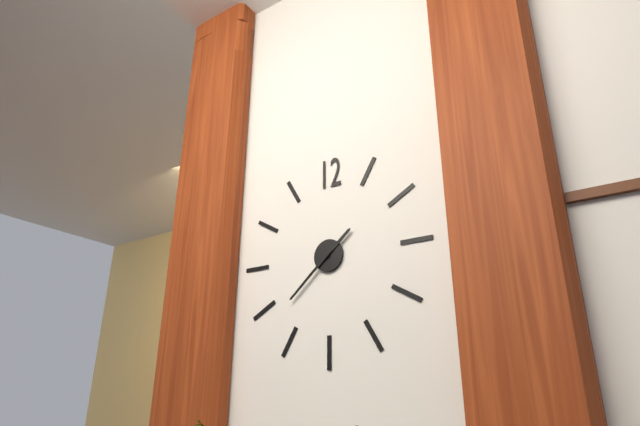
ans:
**1:38**
